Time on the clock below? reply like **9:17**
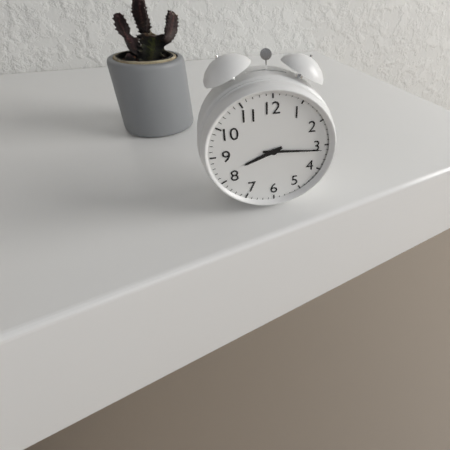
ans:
**8:16**
